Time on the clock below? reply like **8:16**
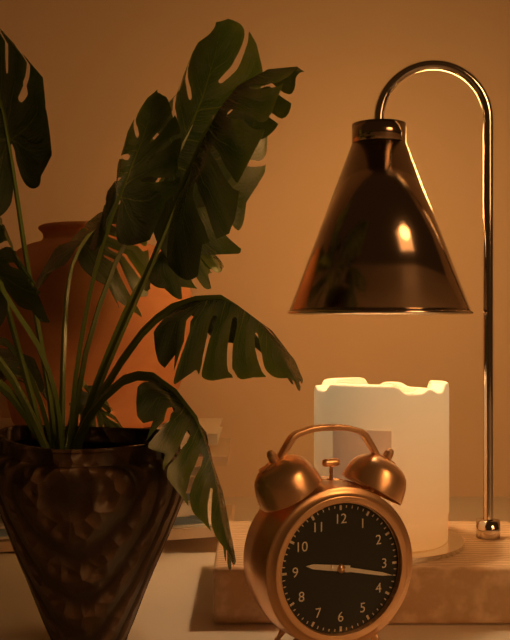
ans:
**9:17**
